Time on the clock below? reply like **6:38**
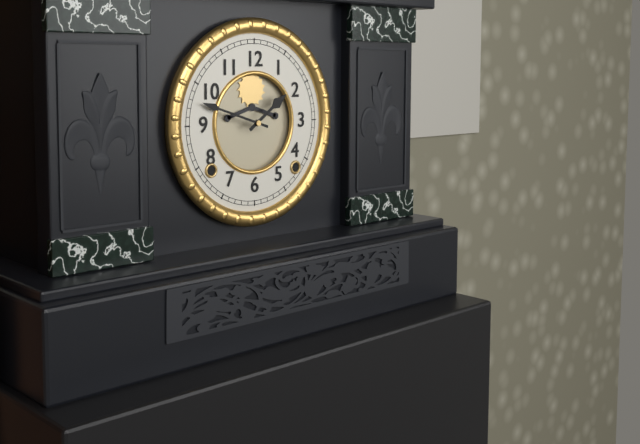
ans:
**1:48**
